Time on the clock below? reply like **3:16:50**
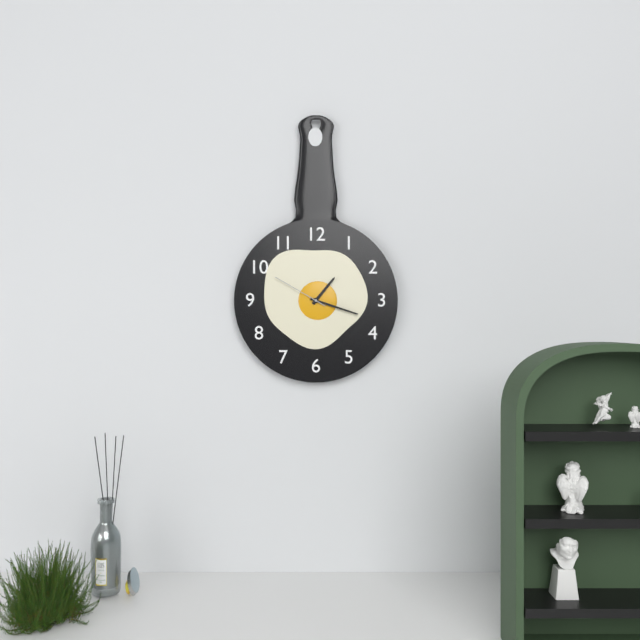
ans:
**1:18:50**
